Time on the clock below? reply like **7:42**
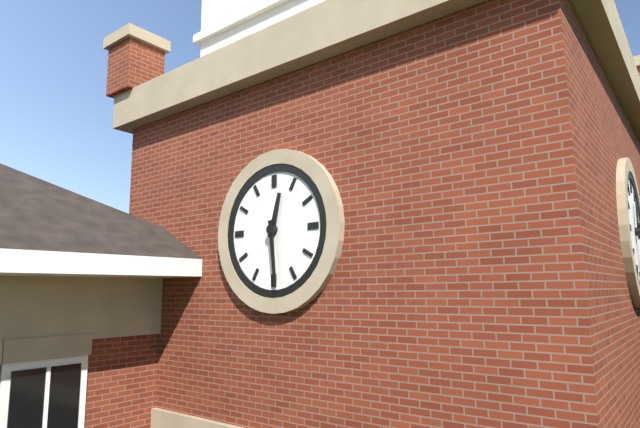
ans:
**12:29**
